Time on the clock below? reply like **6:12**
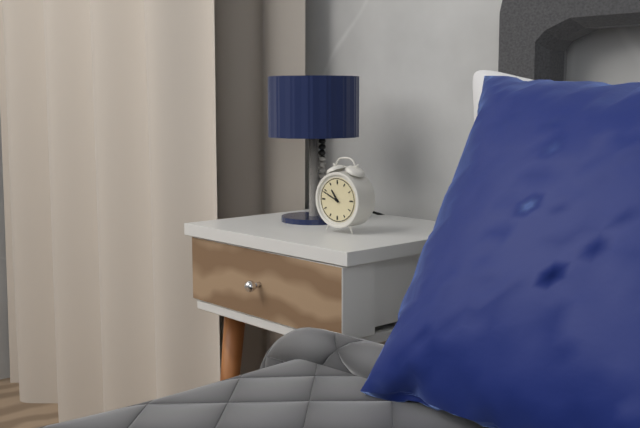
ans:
**10:49**
